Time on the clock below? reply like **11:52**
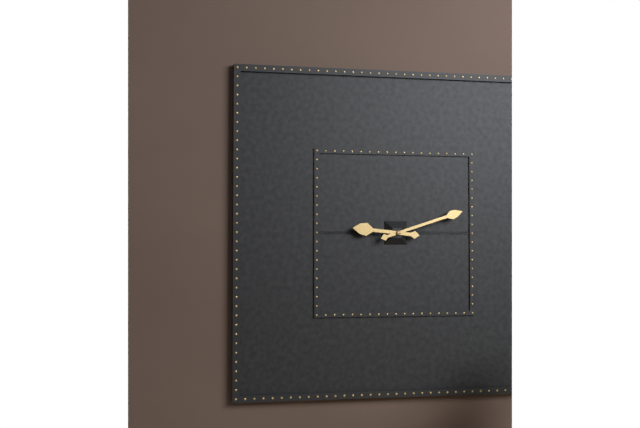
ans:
**9:12**
